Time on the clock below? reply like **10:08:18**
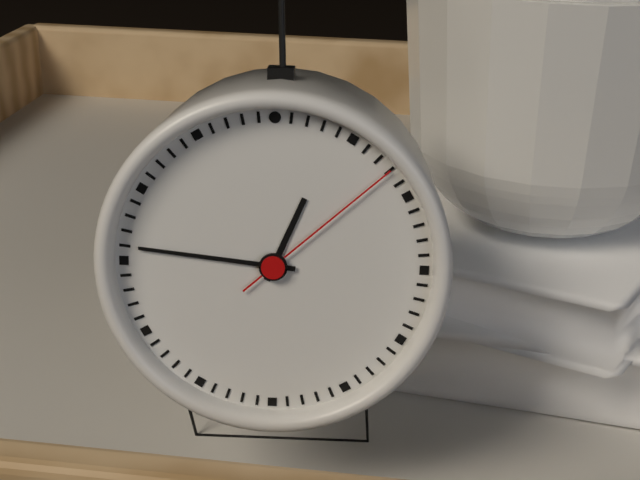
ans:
**12:46:08**
